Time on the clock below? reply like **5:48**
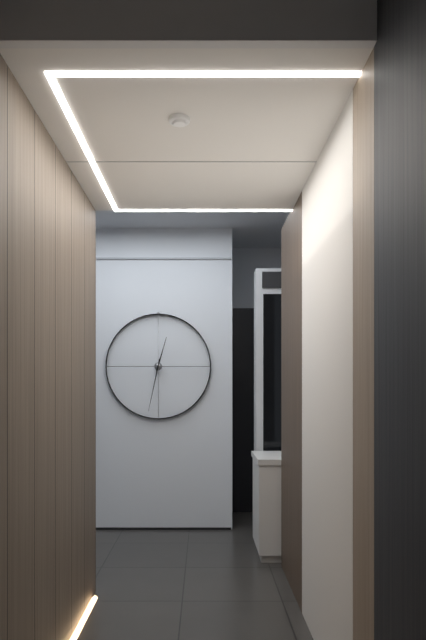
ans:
**12:32**
